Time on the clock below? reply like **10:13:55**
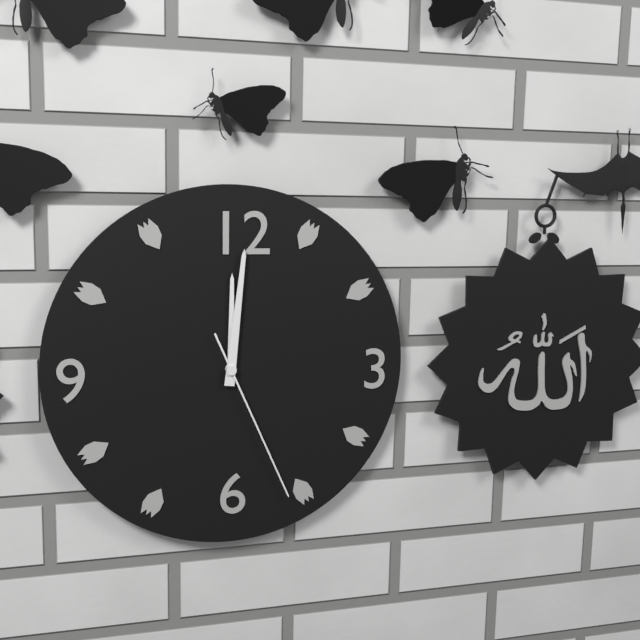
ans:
**12:01:26**
